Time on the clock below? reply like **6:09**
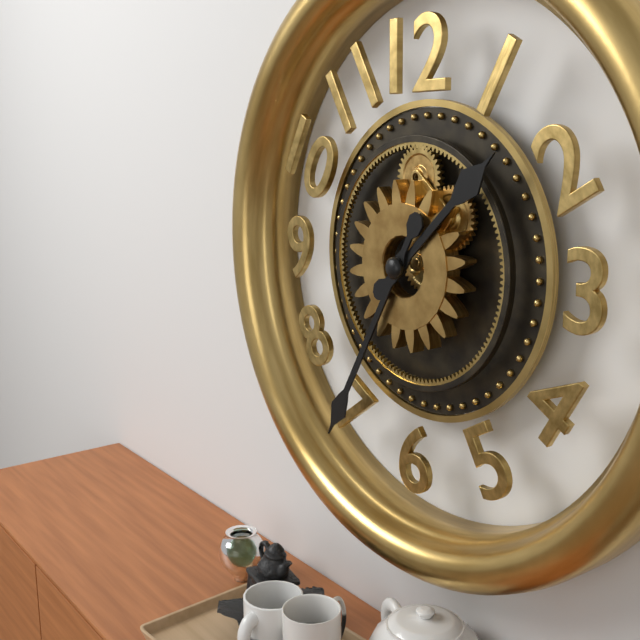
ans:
**1:35**
